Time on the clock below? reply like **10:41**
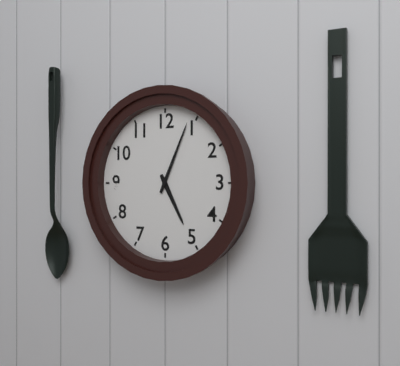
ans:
**5:04**
